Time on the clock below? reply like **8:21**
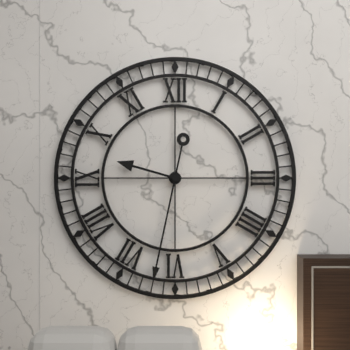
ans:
**9:32**
